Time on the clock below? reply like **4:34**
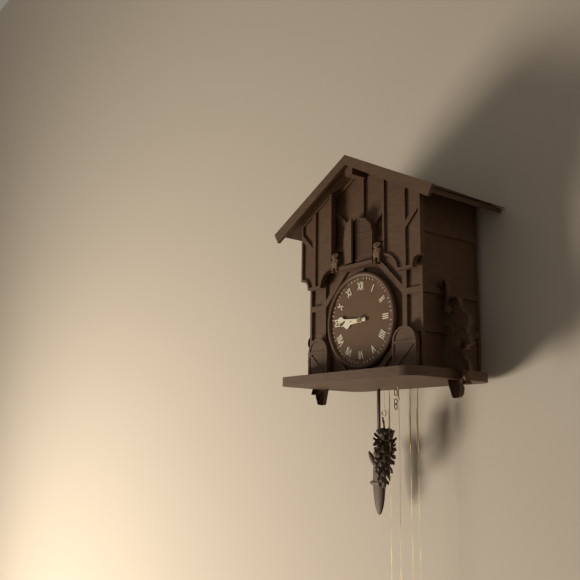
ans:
**8:46**
